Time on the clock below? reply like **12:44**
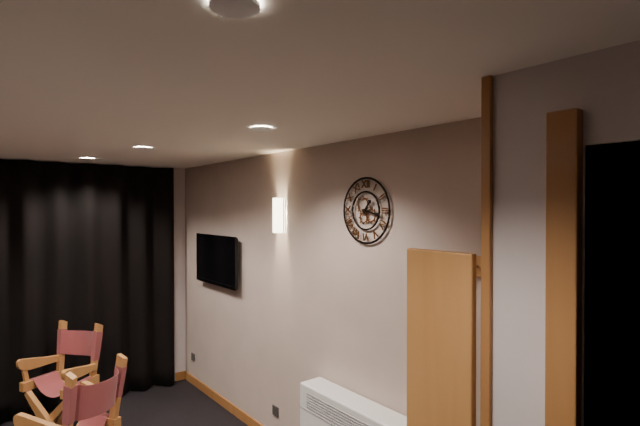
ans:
**1:17**
